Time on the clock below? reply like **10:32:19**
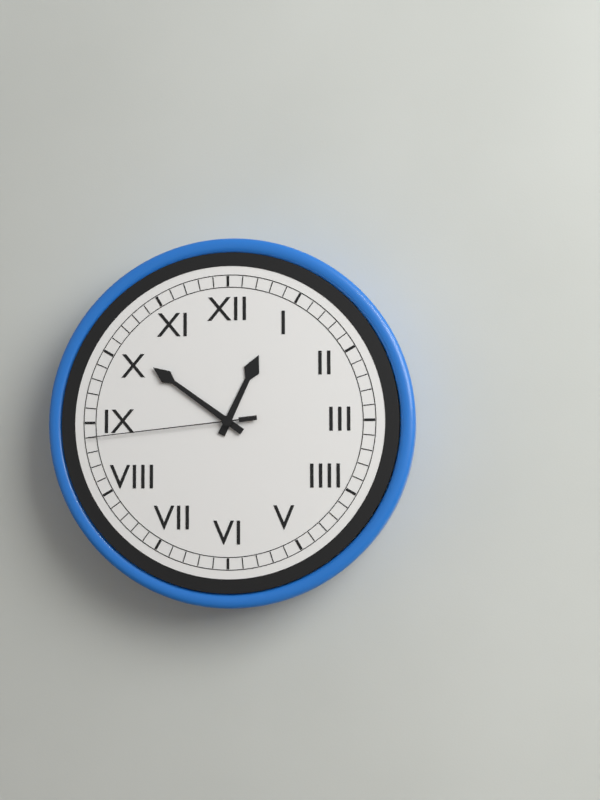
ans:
**12:51:44**
